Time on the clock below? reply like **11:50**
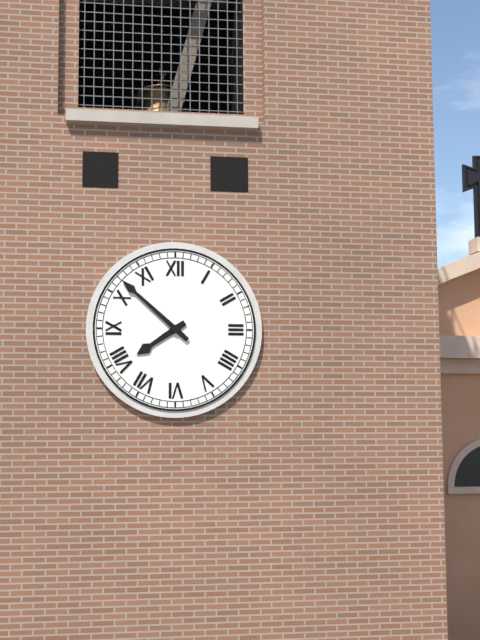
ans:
**7:52**
